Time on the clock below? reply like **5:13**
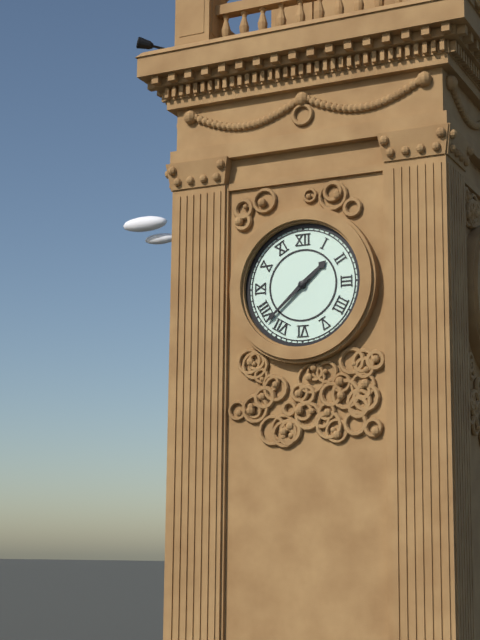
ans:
**1:38**
